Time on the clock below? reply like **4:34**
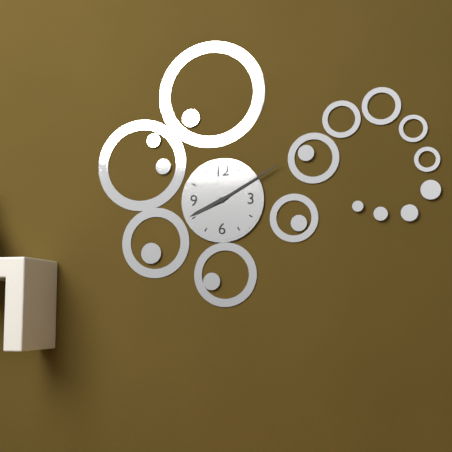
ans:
**8:10**
